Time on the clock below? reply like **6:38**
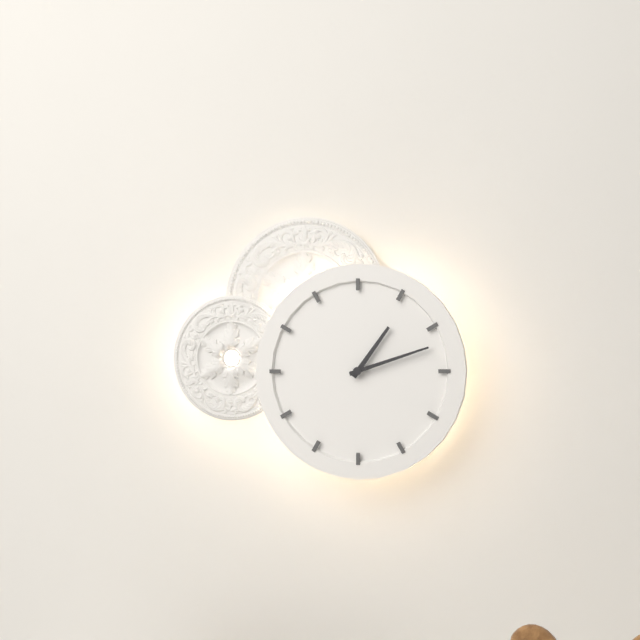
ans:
**1:12**
